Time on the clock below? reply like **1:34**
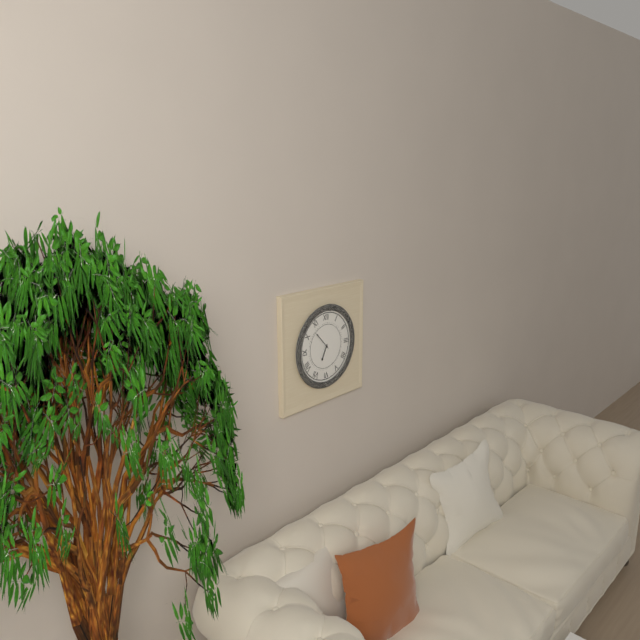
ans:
**6:53**
